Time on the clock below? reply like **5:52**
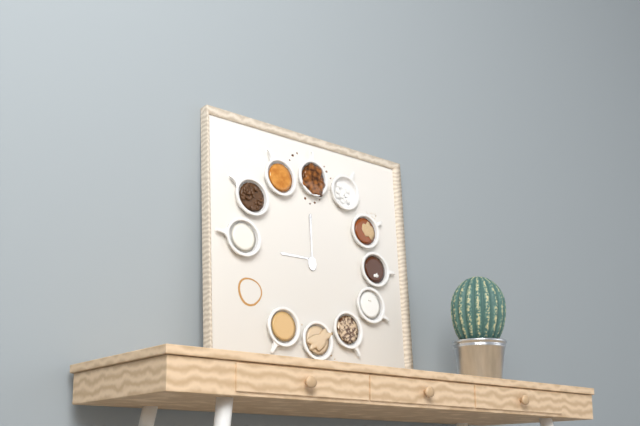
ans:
**9:00**
